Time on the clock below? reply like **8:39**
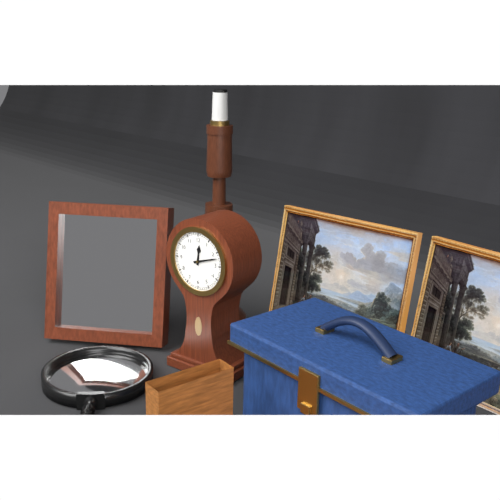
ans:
**12:12**
